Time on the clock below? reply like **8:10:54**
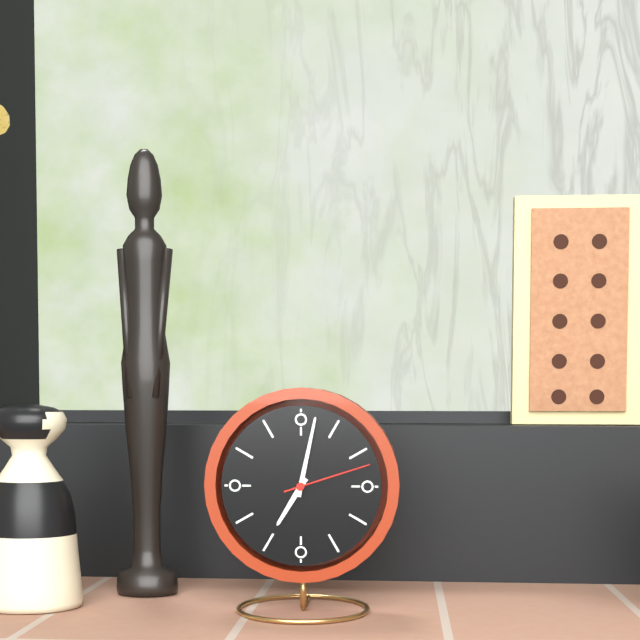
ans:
**7:02:12**
